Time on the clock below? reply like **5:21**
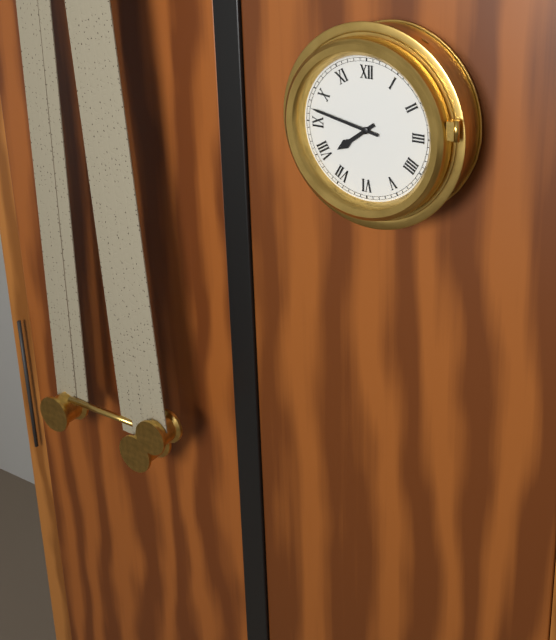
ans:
**7:47**
